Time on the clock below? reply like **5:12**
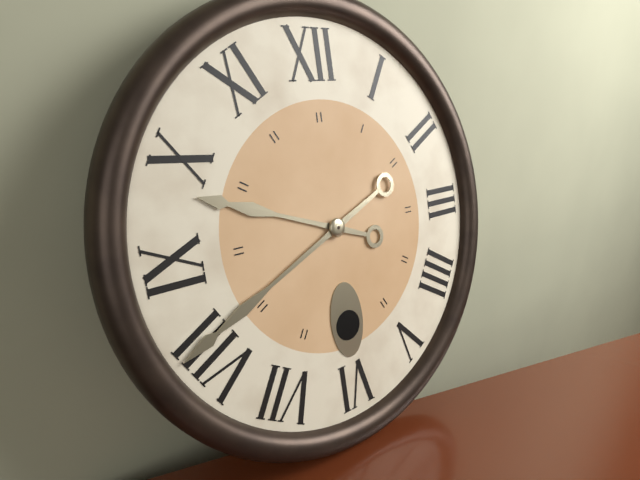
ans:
**9:41**
